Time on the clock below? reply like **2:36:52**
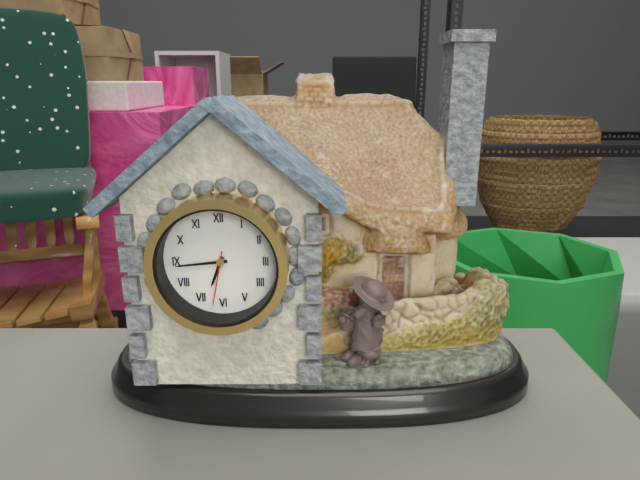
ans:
**6:44:32**
